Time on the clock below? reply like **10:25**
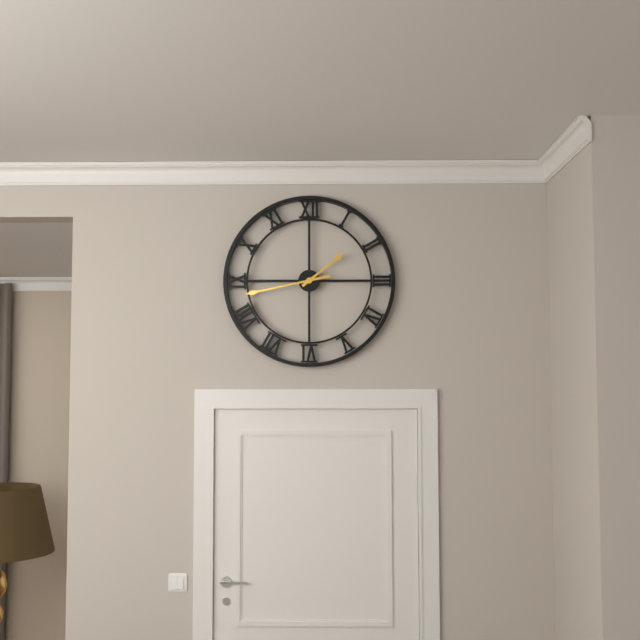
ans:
**1:43**
